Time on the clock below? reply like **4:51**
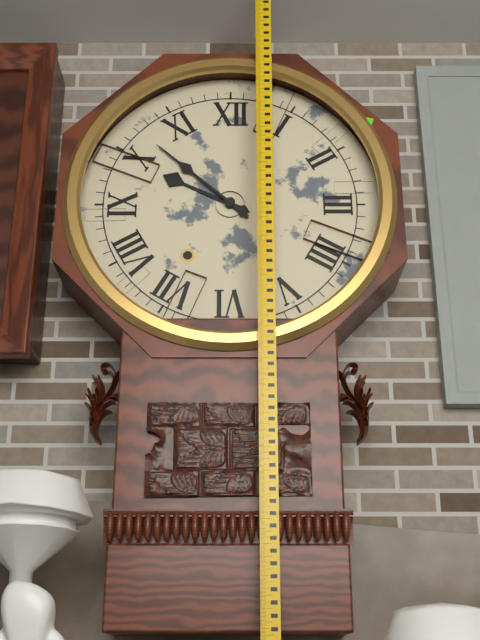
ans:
**9:52**
